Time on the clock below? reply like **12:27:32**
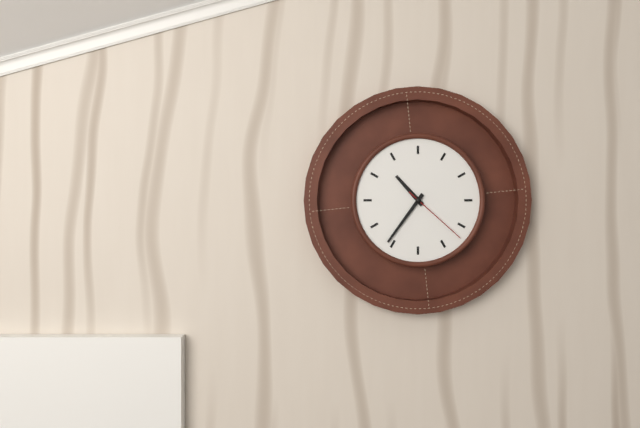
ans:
**10:36:22**
